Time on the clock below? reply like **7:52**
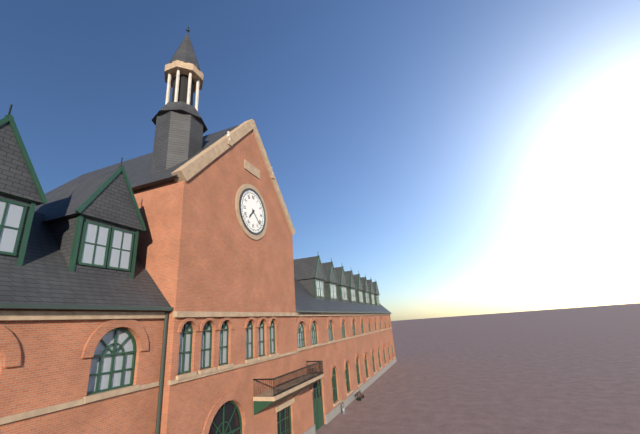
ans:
**7:22**
